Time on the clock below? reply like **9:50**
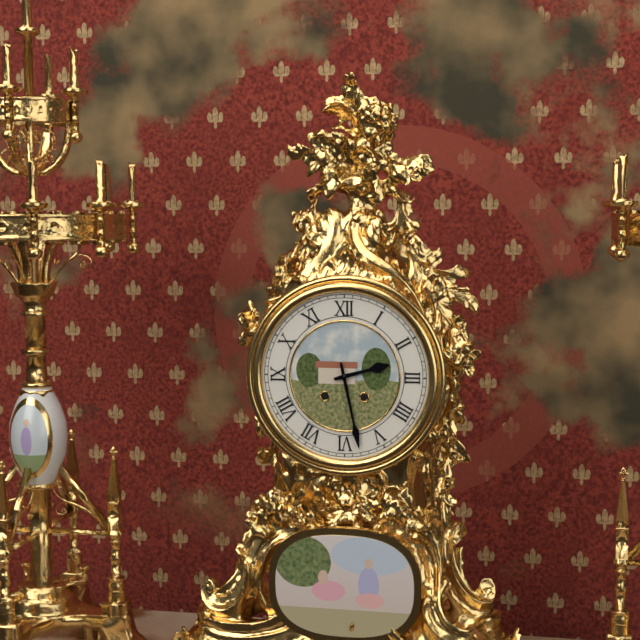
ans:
**2:28**
